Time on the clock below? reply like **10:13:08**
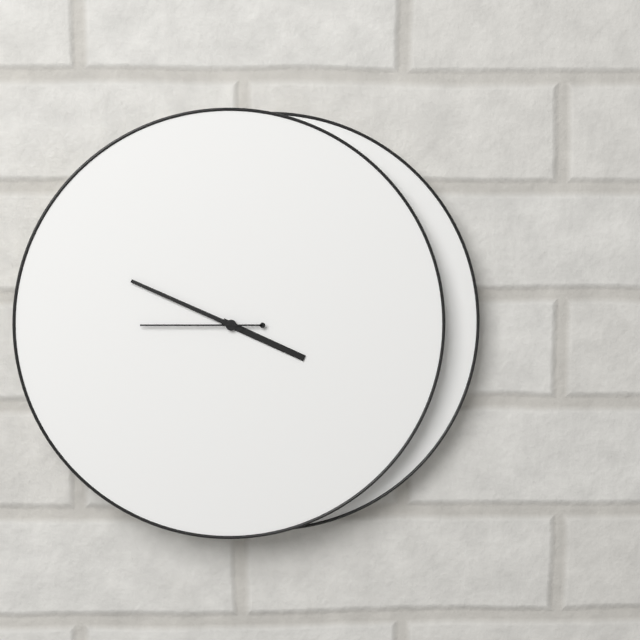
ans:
**3:49:45**
